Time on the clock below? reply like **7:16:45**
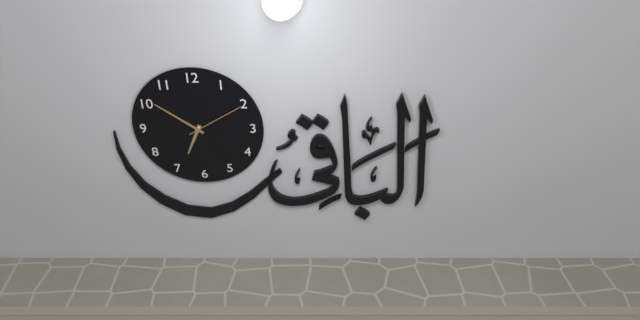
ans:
**6:51:10**
